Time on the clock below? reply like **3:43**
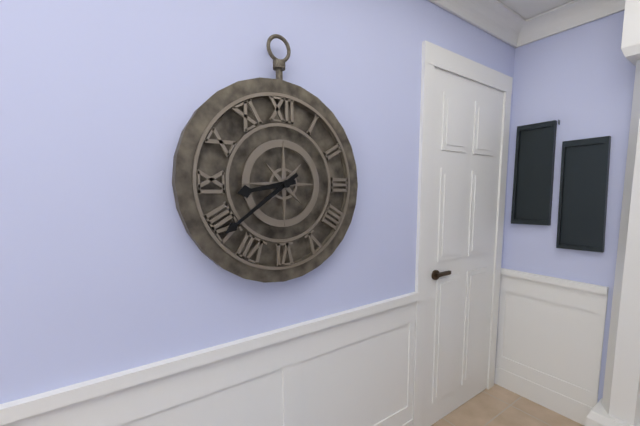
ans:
**8:39**
